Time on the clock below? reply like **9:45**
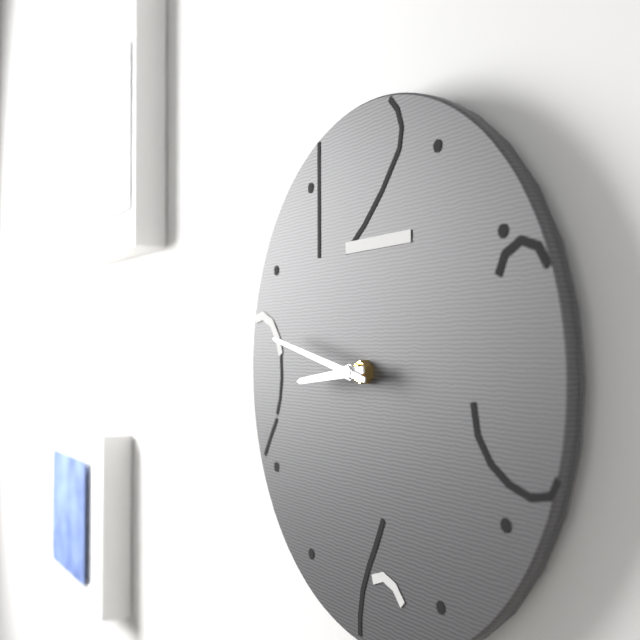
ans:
**8:47**
